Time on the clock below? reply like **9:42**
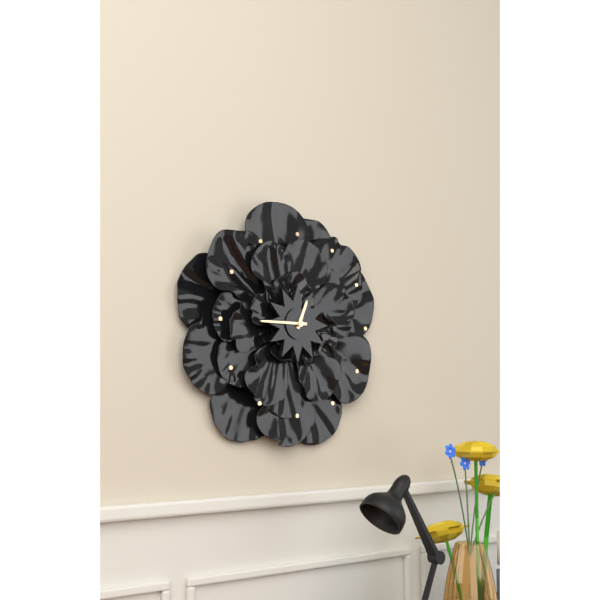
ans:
**12:45**
